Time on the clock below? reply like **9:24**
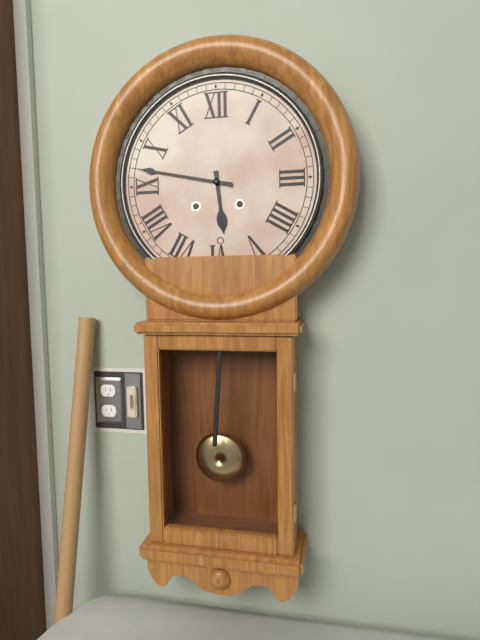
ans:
**5:47**
